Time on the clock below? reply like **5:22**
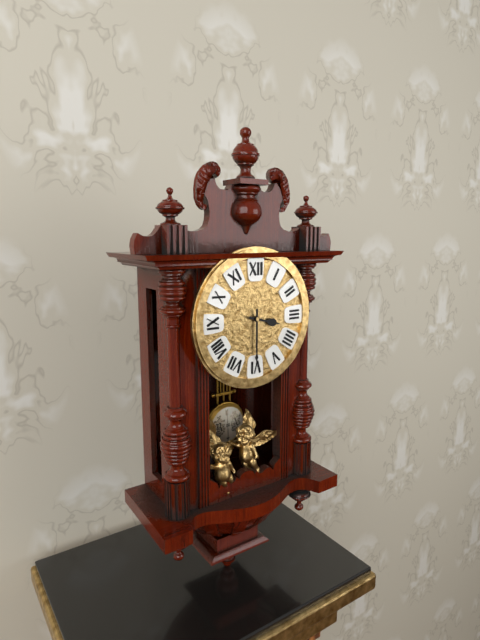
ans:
**3:30**
